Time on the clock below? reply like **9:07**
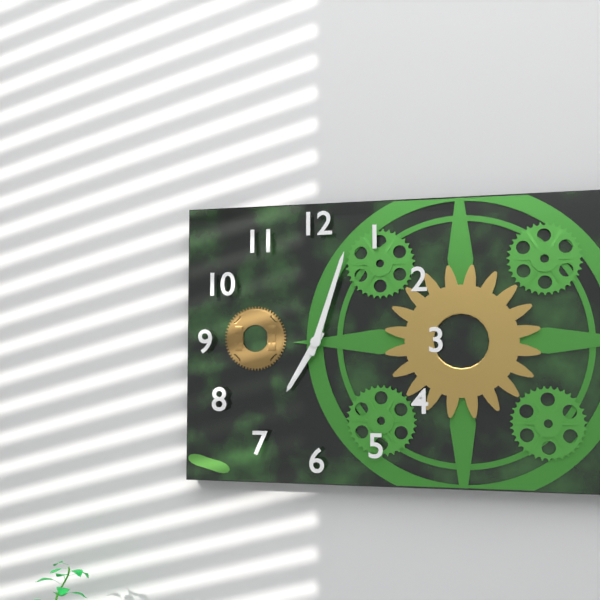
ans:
**7:03**
